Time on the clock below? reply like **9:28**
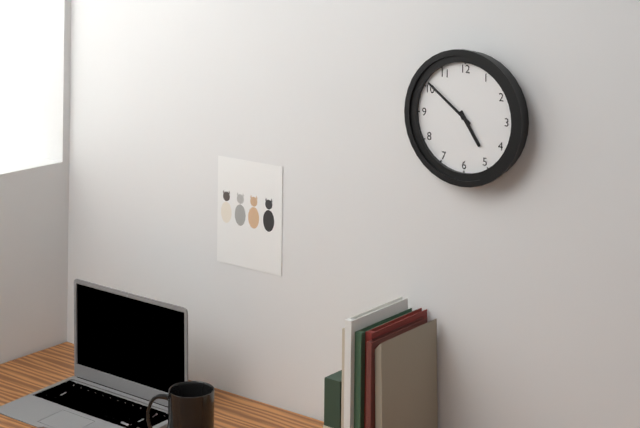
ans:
**4:51**
